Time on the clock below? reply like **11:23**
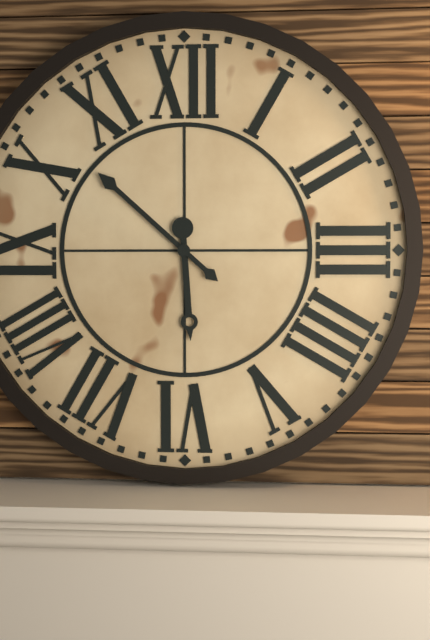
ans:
**5:52**
